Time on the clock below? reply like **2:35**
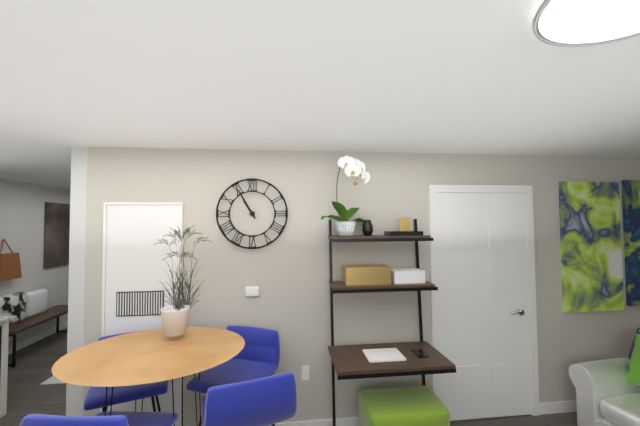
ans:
**10:55**
